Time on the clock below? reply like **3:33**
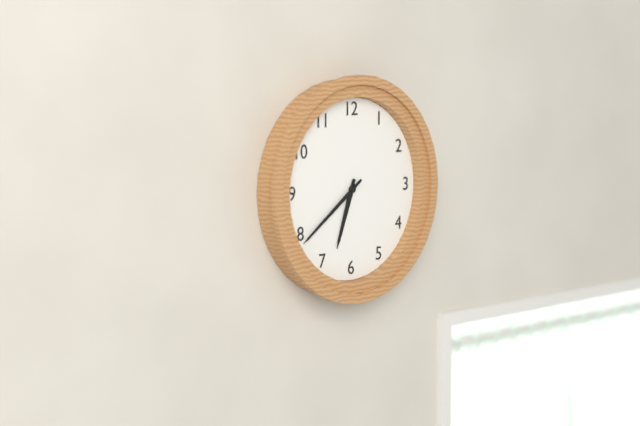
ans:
**6:39**
